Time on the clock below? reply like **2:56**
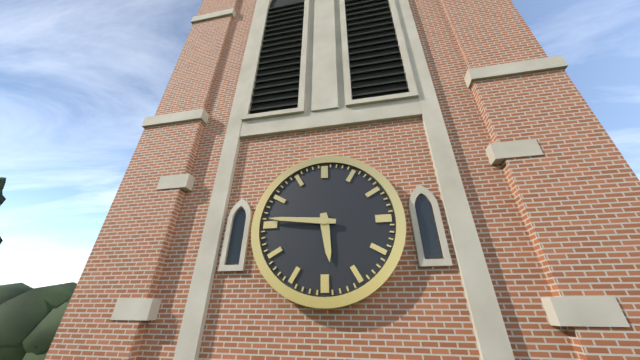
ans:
**5:46**
